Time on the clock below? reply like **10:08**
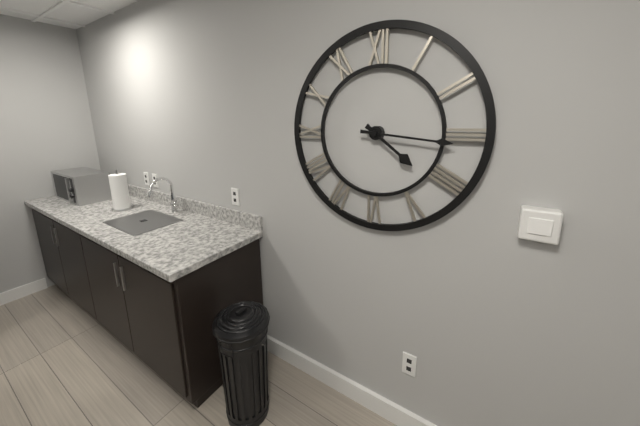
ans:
**4:16**
